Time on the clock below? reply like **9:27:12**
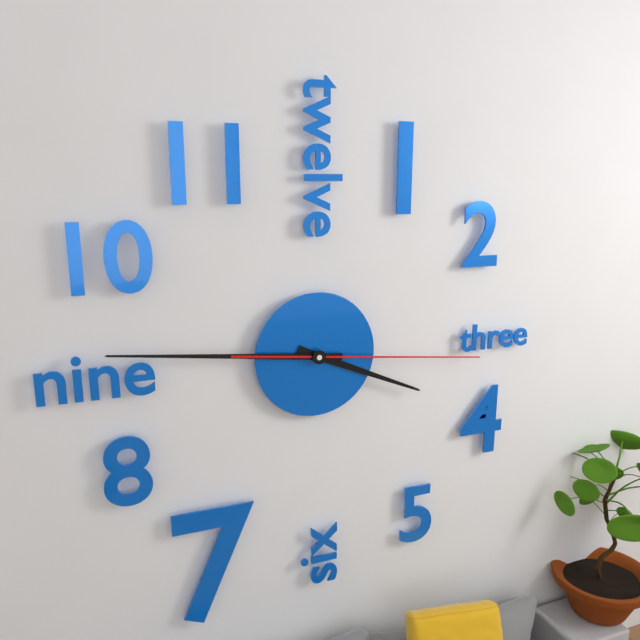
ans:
**3:46:16**
